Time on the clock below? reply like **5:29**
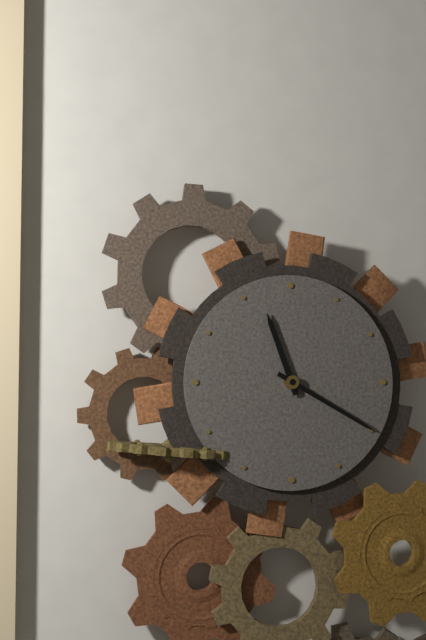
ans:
**11:20**
